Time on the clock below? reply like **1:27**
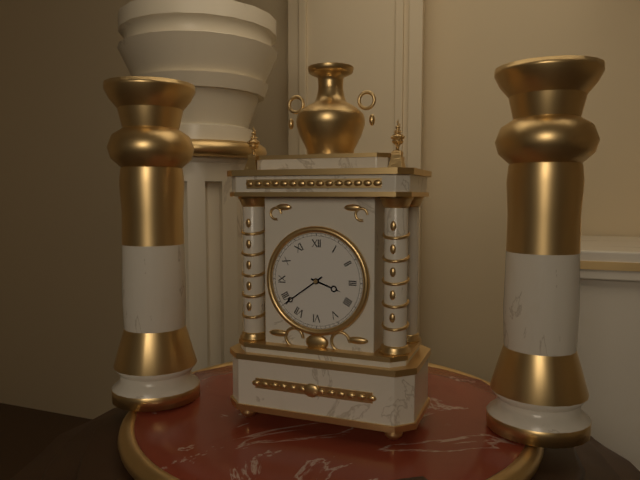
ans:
**3:39**
